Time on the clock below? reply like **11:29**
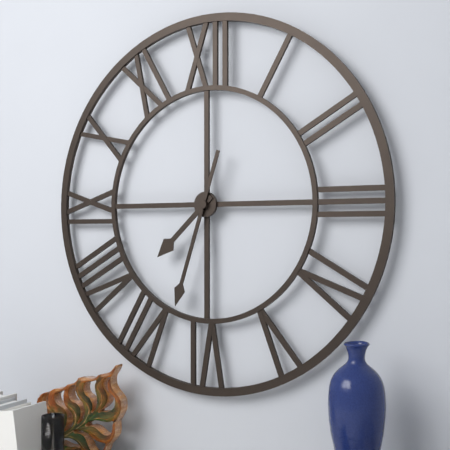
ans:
**7:33**
